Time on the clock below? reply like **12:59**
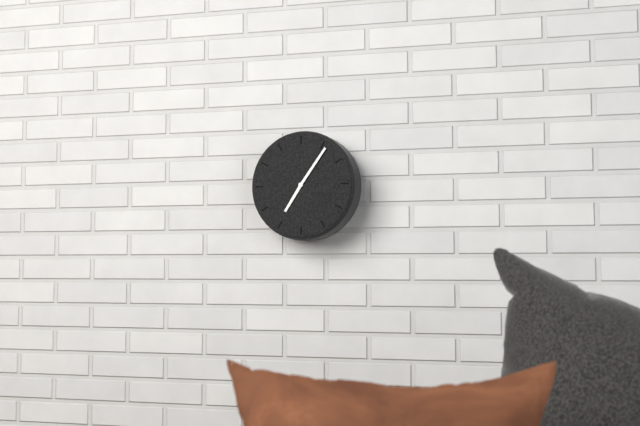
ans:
**7:06**
